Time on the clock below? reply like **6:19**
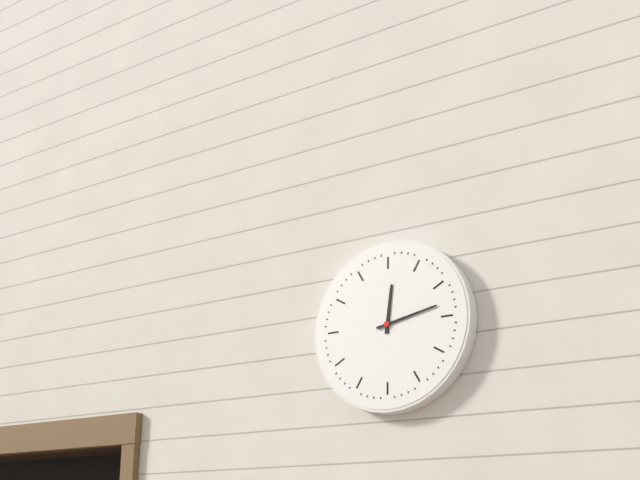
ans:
**12:13**
